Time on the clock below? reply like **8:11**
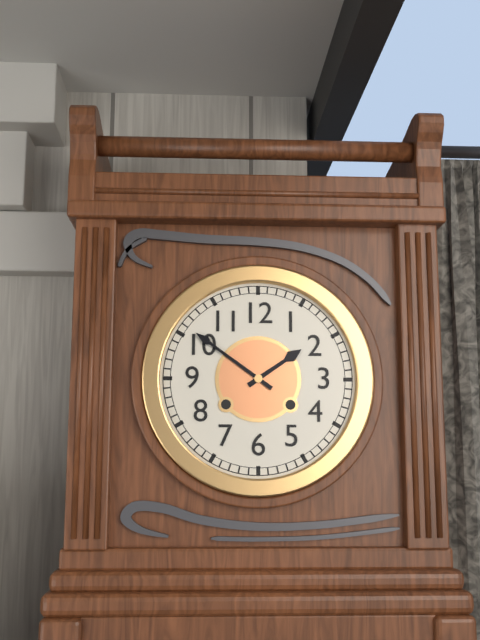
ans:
**1:51**
